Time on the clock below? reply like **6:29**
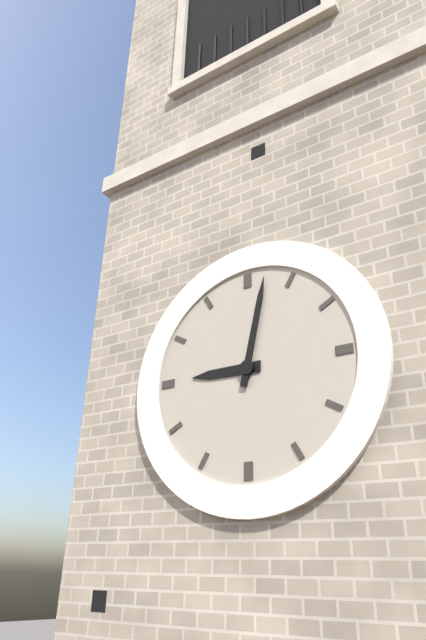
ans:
**9:02**
